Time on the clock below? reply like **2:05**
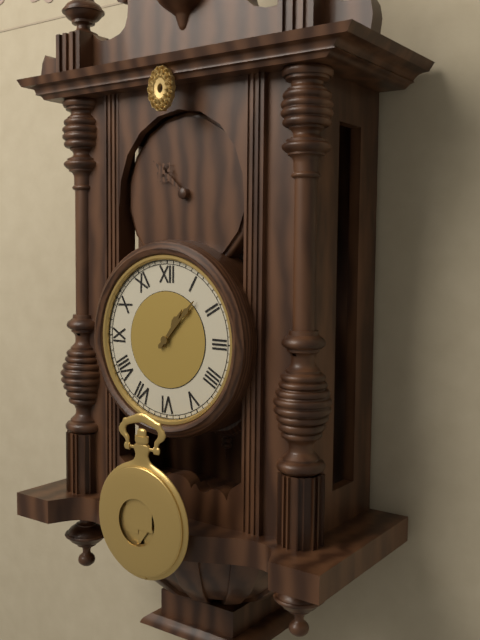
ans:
**1:07**
